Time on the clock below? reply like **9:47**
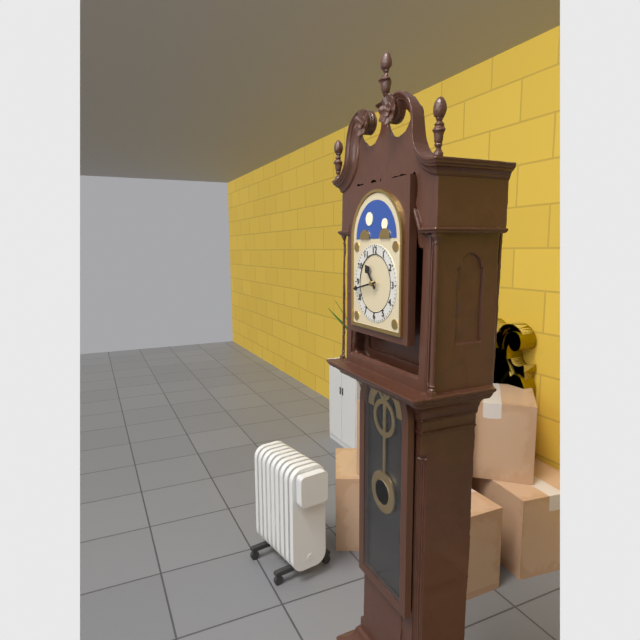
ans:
**10:43**
